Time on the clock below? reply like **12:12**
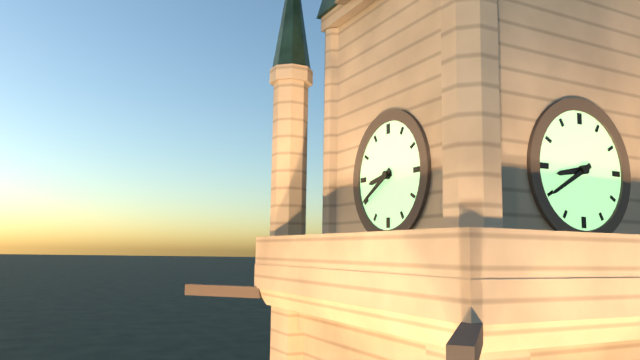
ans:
**8:40**
